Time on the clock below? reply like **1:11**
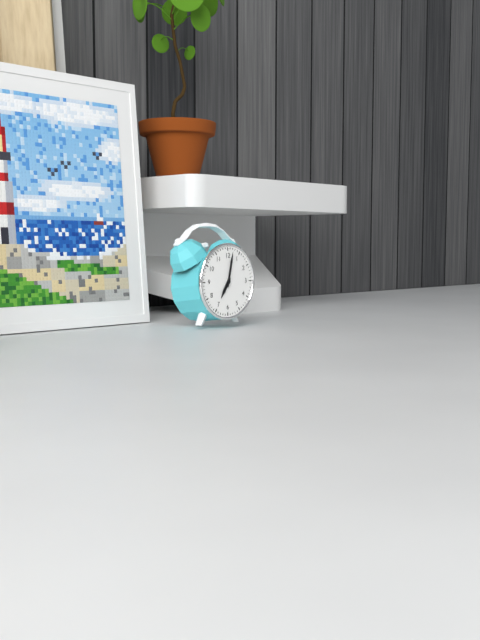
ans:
**7:02**
